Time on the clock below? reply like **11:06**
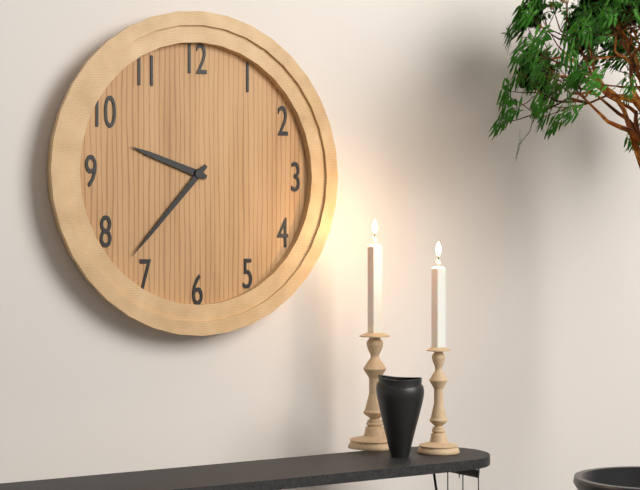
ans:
**9:37**
